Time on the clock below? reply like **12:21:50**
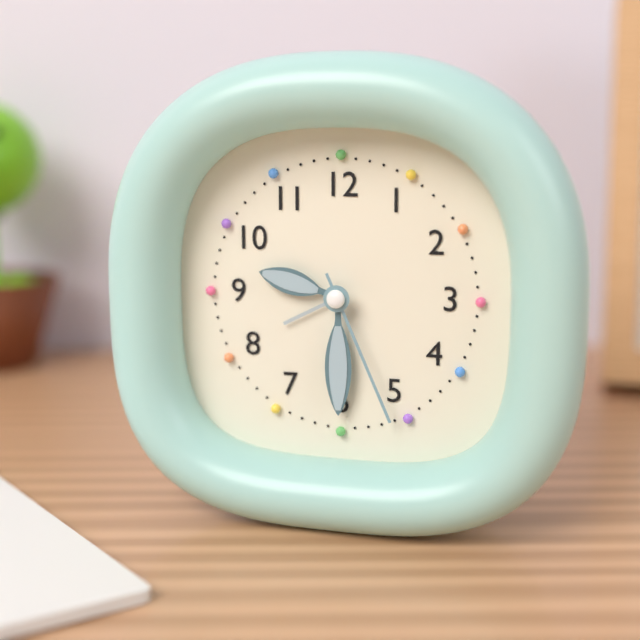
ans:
**9:30:26**
